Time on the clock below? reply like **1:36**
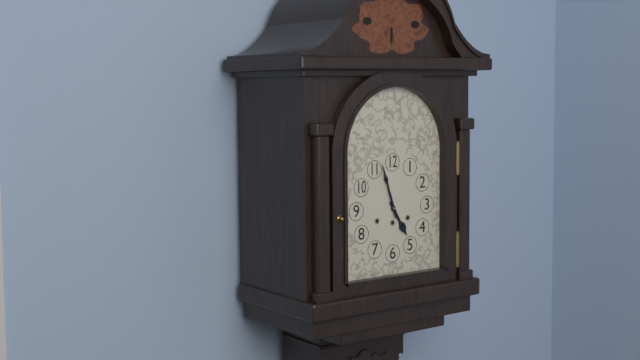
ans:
**4:57**
